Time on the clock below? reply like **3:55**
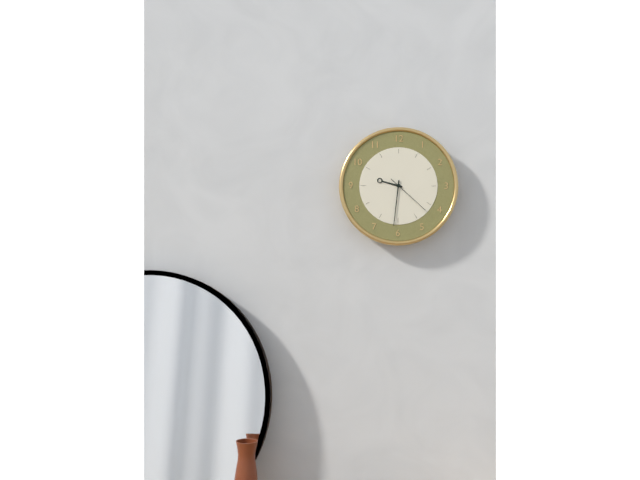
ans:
**9:31**
